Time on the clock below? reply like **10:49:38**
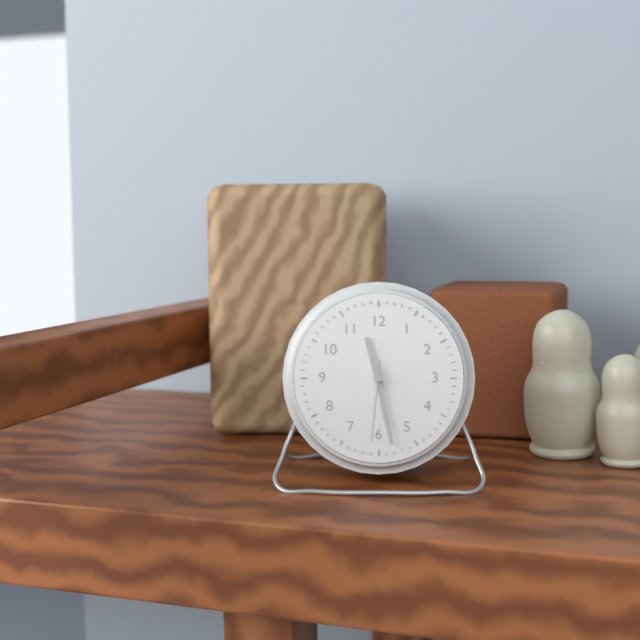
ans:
**11:28:31**
